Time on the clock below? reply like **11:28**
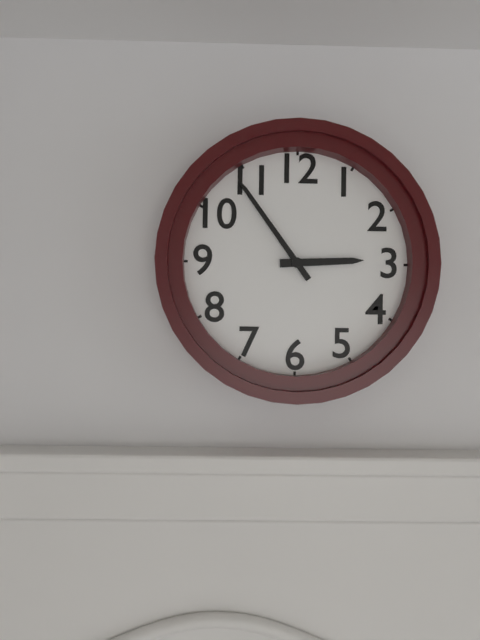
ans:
**2:54**
